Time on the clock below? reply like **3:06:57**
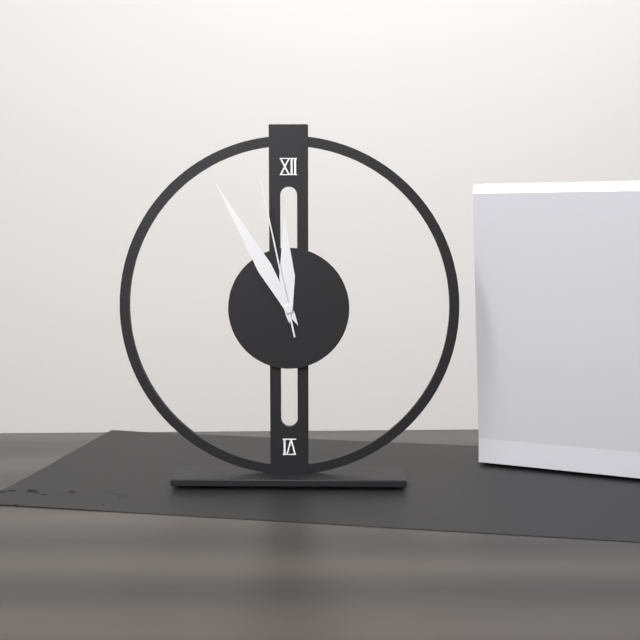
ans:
**11:55:58**
